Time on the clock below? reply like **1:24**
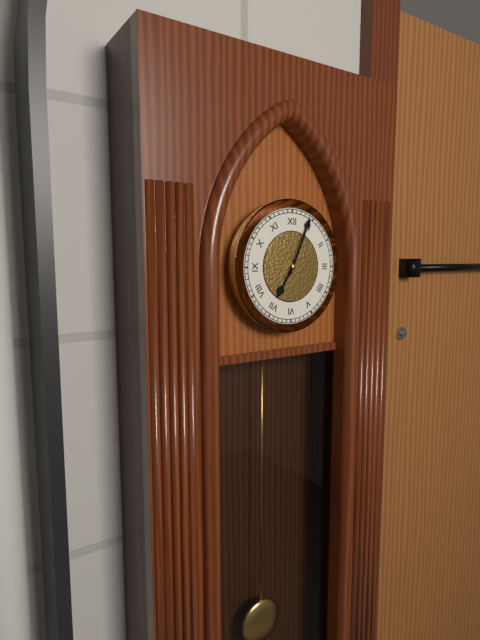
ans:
**7:04**
